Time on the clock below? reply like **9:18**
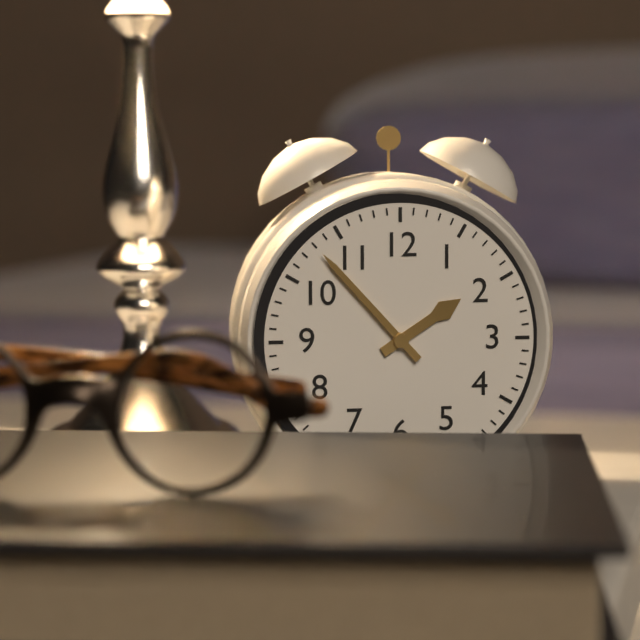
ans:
**1:53**
